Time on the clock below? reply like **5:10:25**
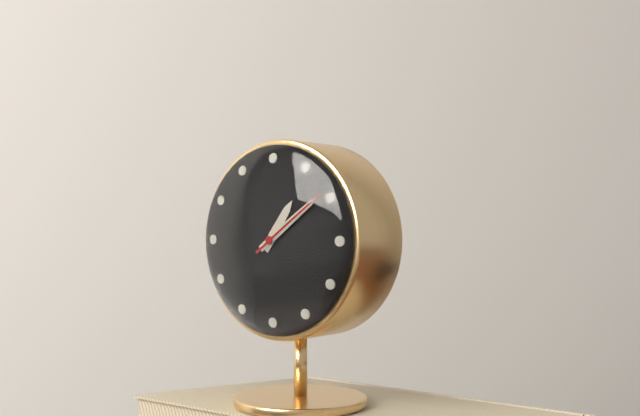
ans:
**1:09:09**
